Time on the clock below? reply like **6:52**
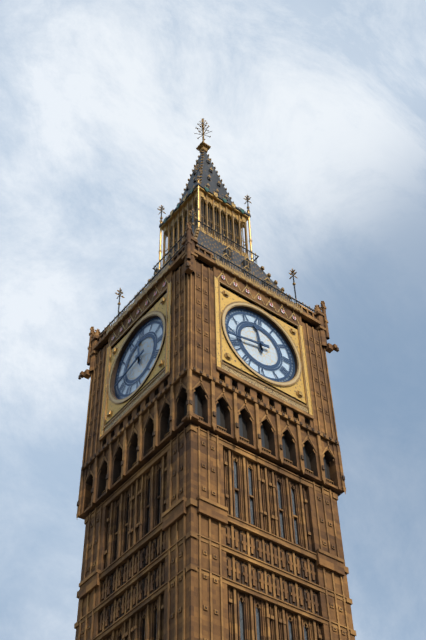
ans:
**11:43**
